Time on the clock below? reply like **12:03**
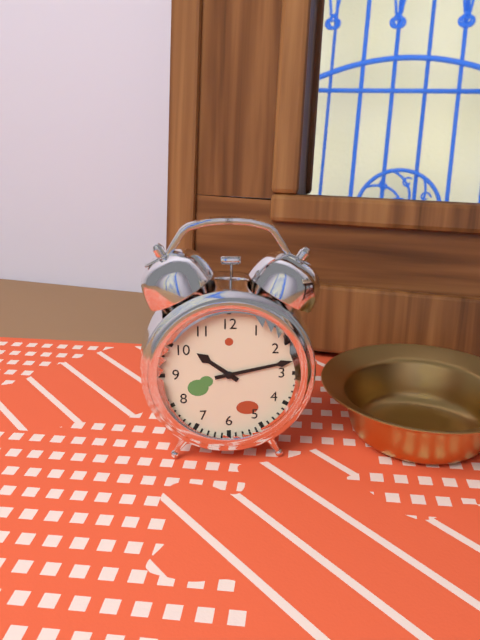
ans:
**10:13**
